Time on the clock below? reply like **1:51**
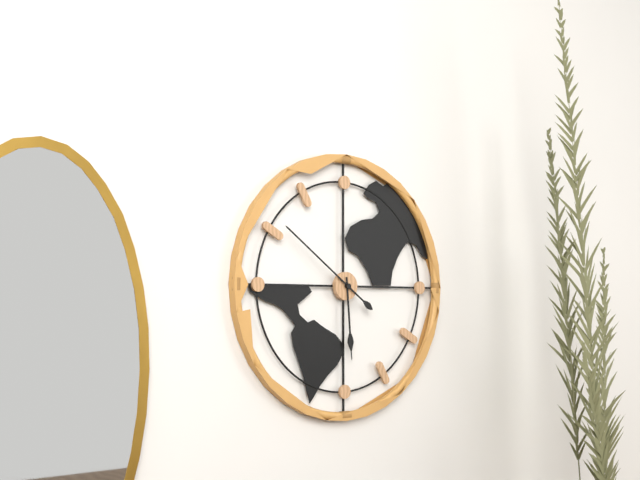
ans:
**5:51**
